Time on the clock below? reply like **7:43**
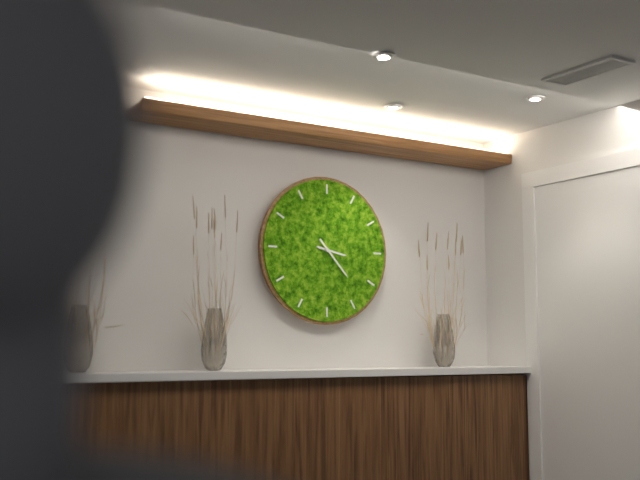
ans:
**3:23**
